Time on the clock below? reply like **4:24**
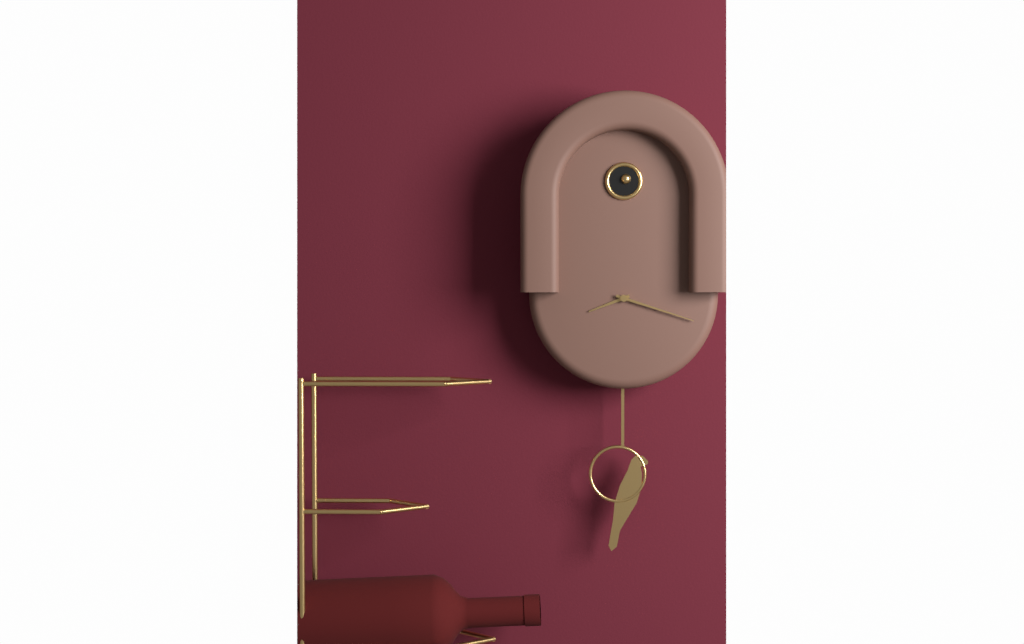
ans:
**8:18**
